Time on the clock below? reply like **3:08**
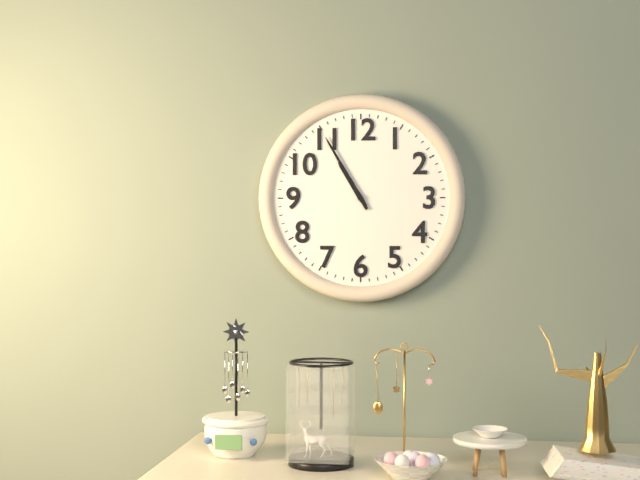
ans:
**10:55**
